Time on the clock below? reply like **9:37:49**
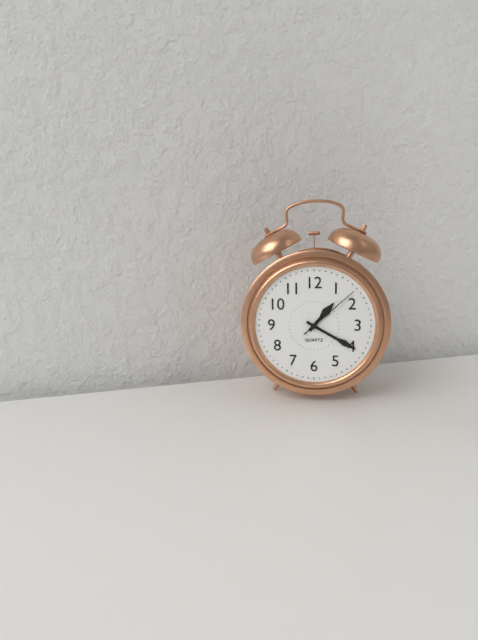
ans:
**1:20:08**
